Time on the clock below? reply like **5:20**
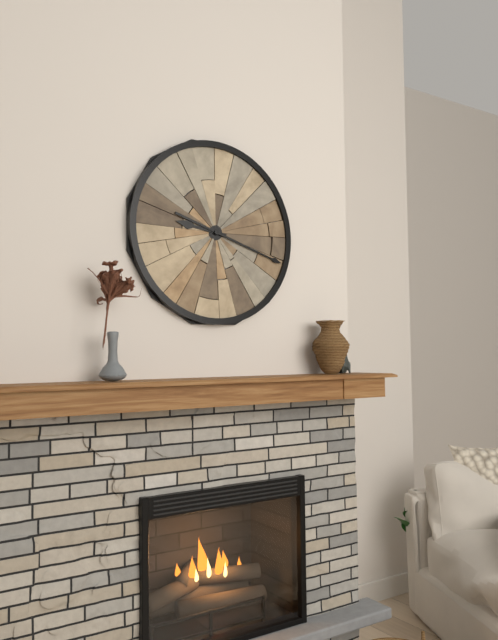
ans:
**9:18**
